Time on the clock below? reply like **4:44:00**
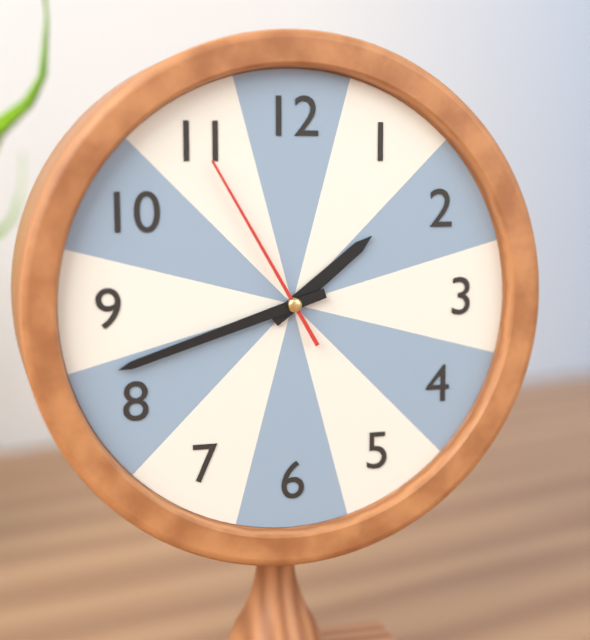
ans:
**1:42:55**
